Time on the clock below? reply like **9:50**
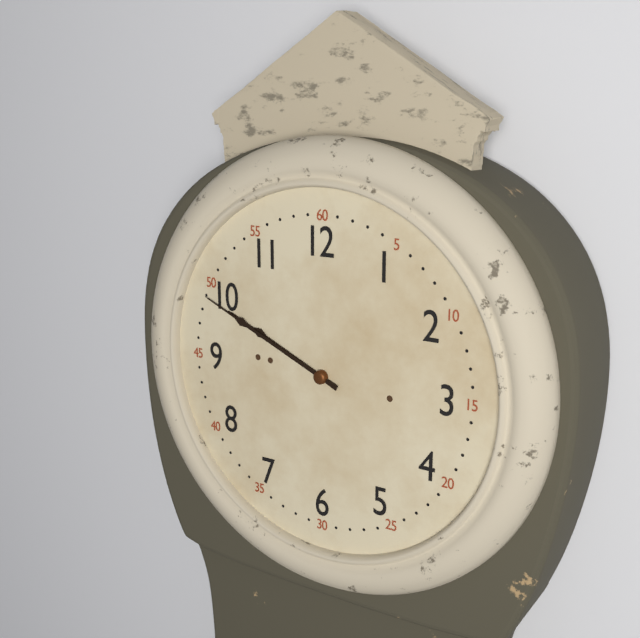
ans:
**9:49**
